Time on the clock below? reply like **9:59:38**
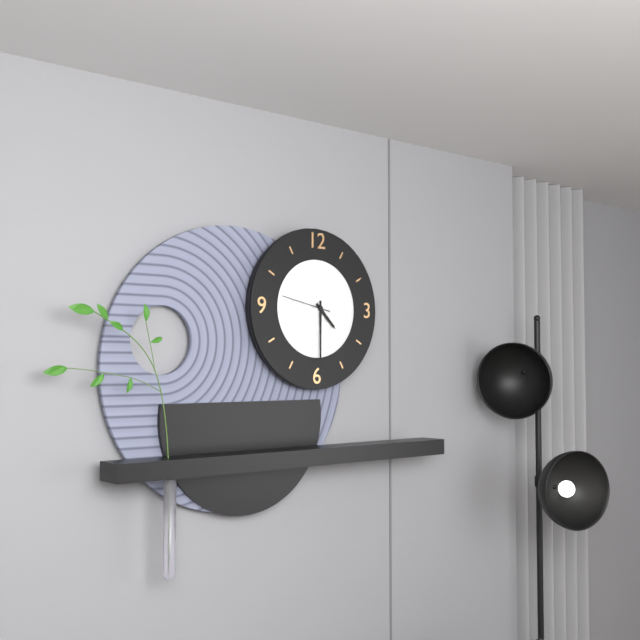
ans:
**4:30:47**
